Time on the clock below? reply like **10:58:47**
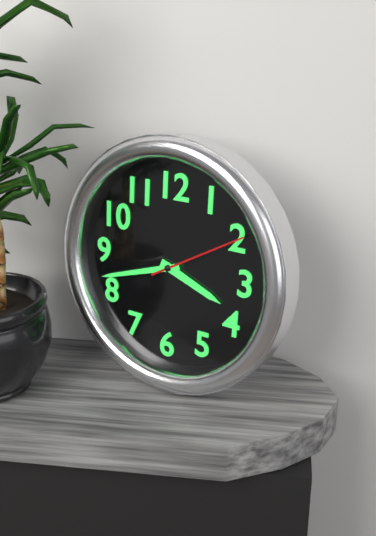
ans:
**3:42:10**
